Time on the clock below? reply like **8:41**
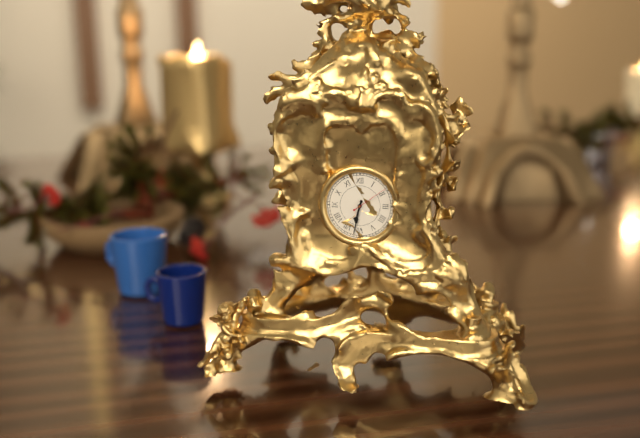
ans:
**6:32**
